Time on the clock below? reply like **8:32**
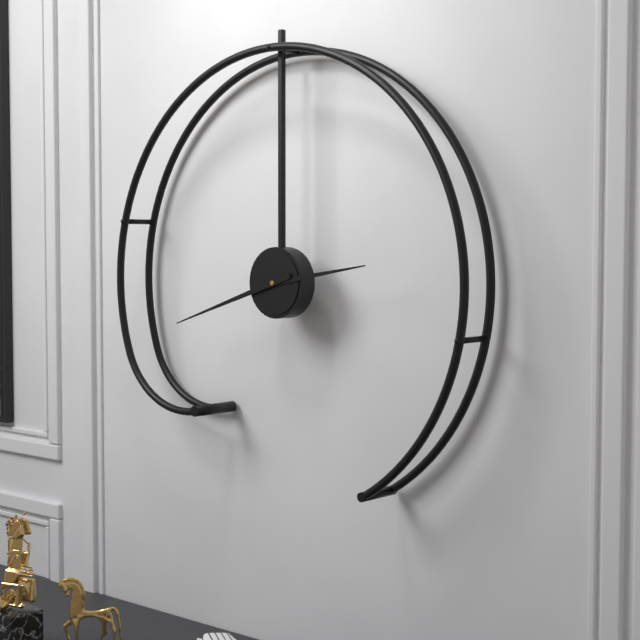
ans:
**2:42**
